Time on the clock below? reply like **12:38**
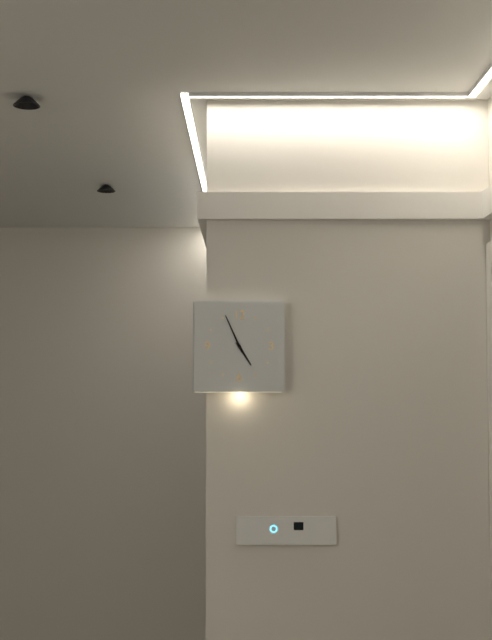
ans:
**4:56**
